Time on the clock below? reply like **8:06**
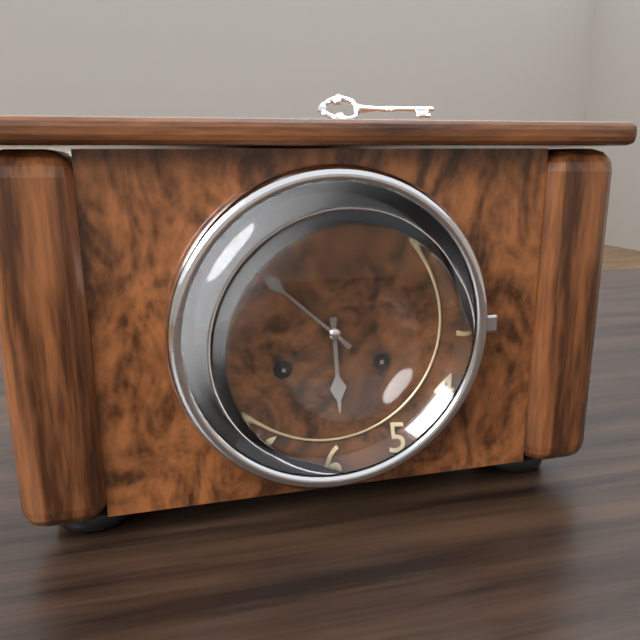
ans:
**5:52**
